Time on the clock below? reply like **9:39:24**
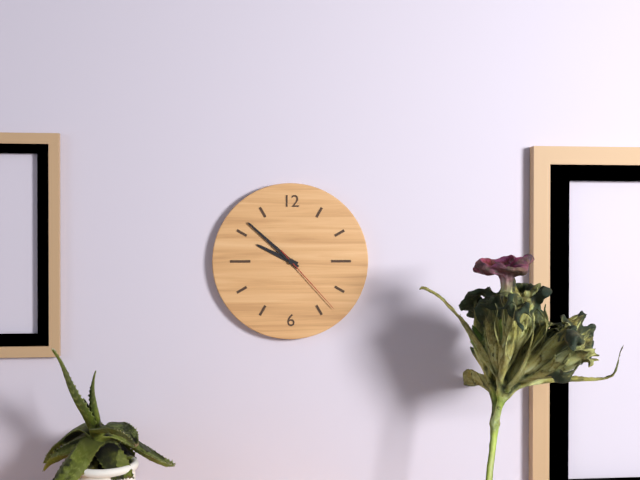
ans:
**9:52:23**
